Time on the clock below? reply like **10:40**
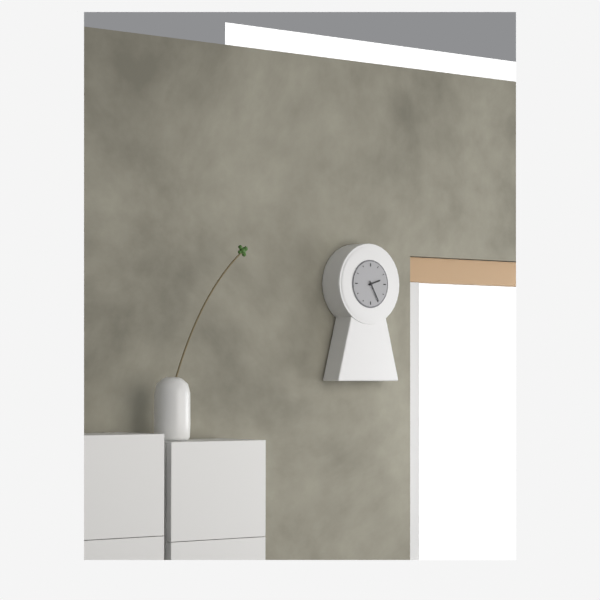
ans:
**2:25**
